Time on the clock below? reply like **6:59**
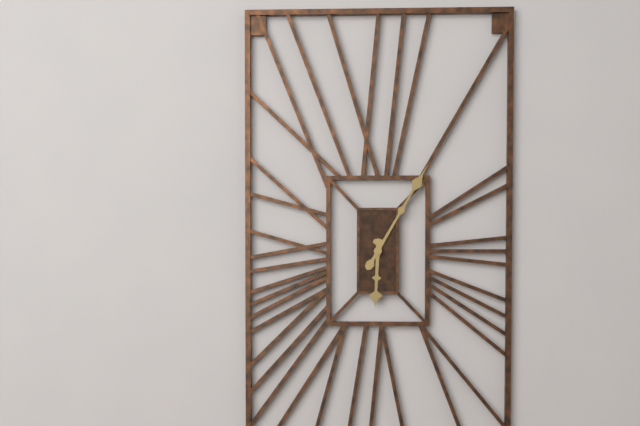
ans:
**6:05**
